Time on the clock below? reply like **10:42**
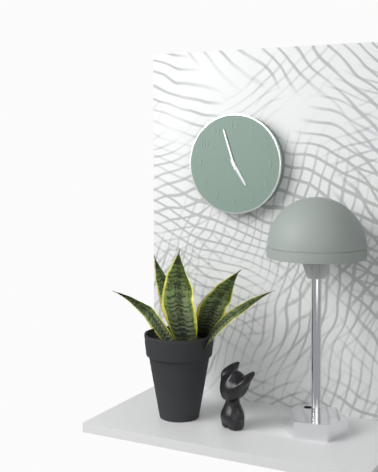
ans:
**4:57**
